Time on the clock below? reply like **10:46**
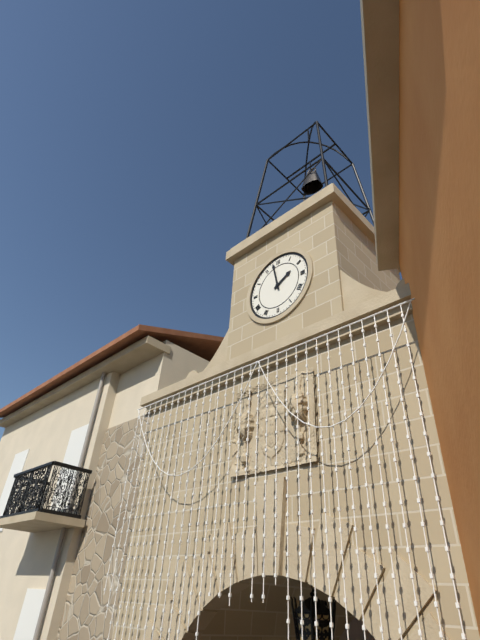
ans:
**1:58**
